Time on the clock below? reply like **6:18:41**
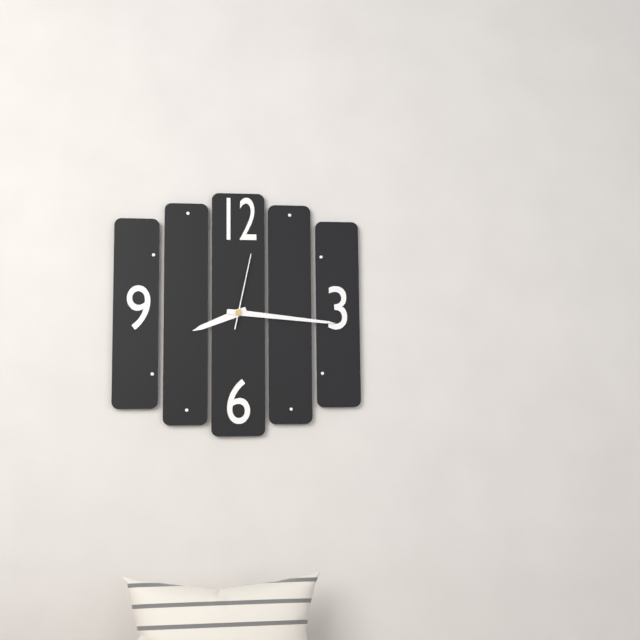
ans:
**8:16:02**
